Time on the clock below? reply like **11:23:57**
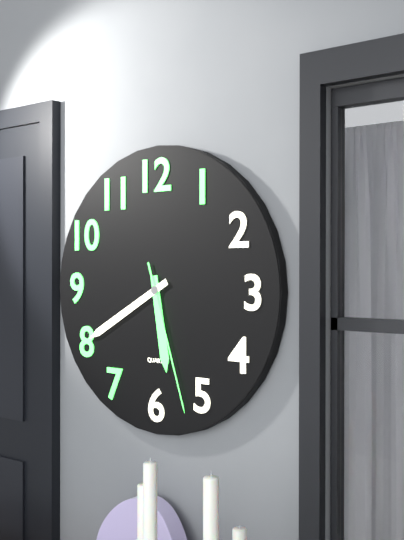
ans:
**5:40:27**
